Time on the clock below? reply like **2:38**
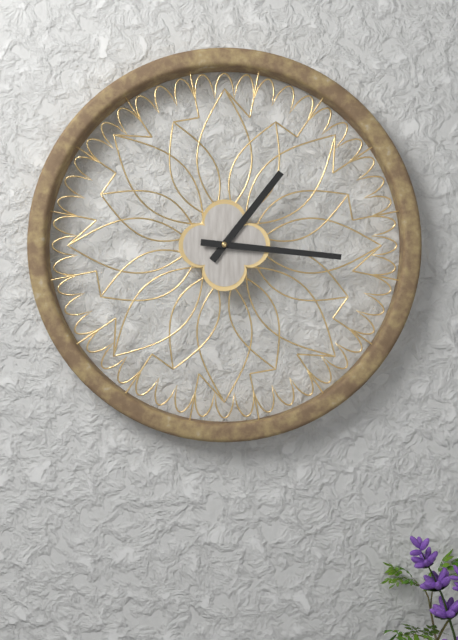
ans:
**1:16**
